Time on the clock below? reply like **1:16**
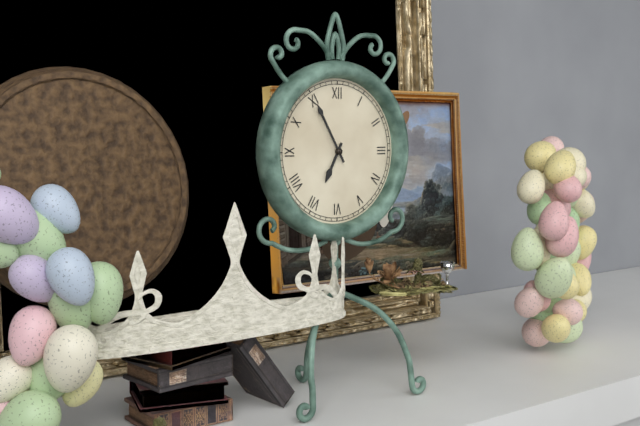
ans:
**6:55**
